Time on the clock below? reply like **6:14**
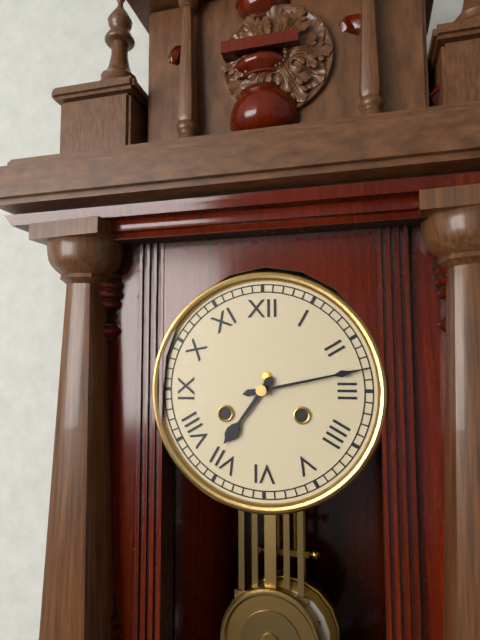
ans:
**7:13**
